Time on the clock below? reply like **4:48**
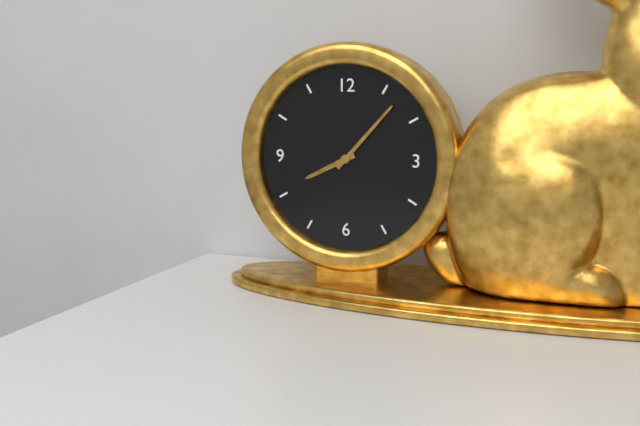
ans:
**8:07**
